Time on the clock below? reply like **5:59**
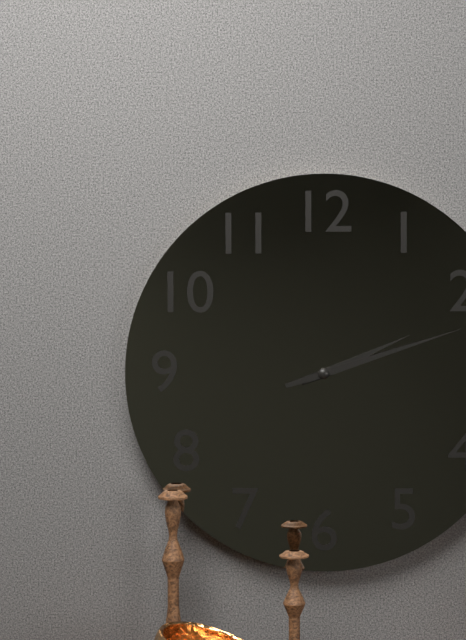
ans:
**2:12**
